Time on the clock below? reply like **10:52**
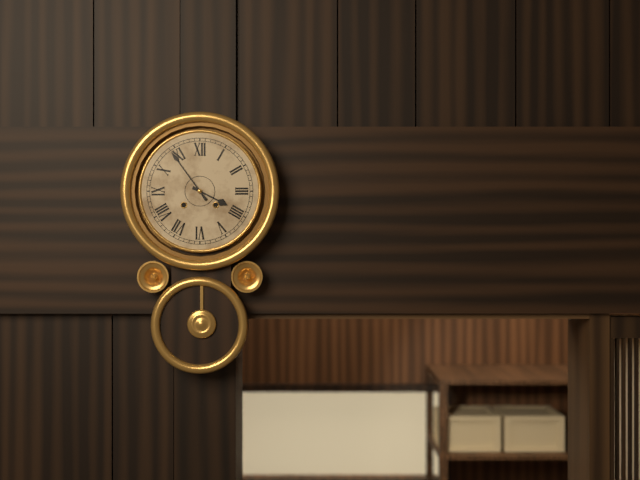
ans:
**3:54**
